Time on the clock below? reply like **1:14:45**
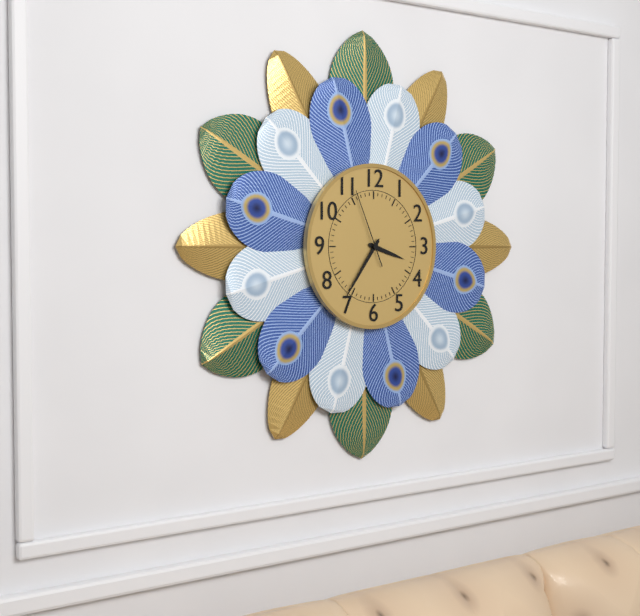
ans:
**3:36:56**
